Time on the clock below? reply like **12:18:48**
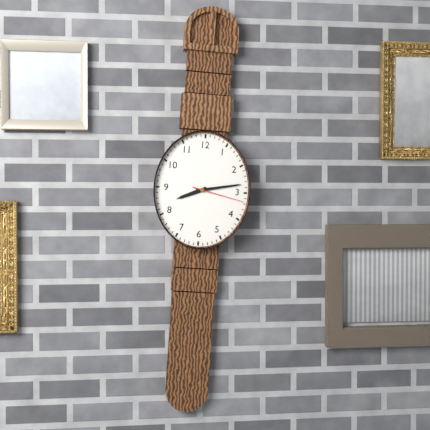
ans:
**8:13:17**
